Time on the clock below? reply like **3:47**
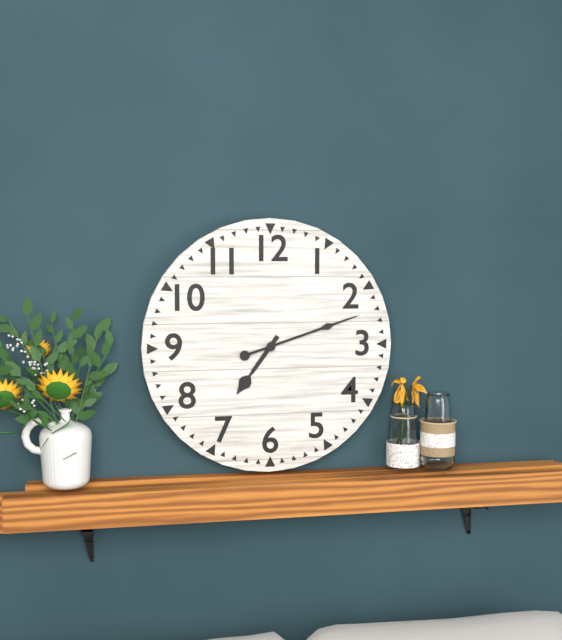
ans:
**7:12**
